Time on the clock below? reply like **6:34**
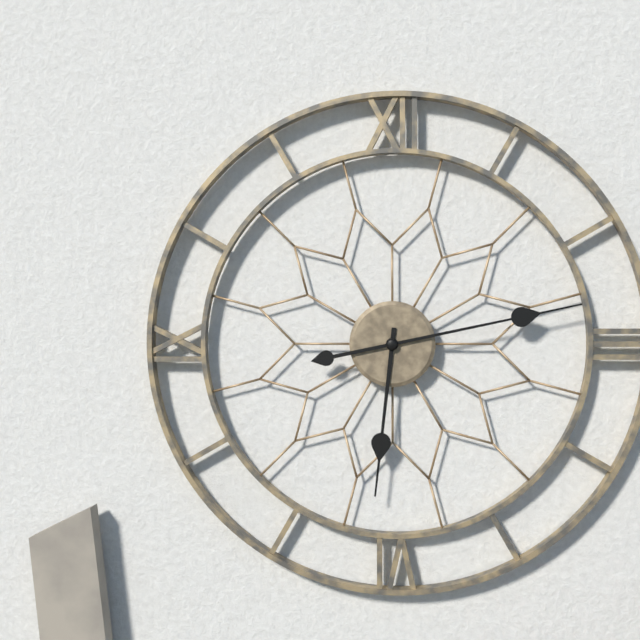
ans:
**6:13**
